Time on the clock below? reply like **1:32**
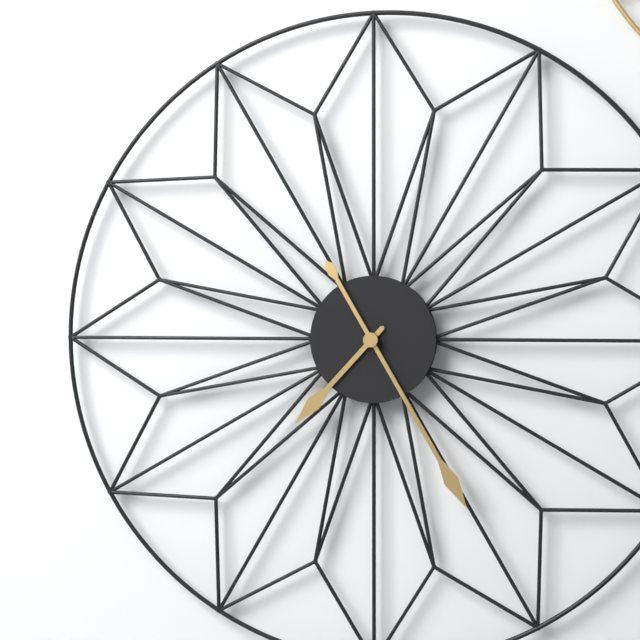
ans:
**7:25**
